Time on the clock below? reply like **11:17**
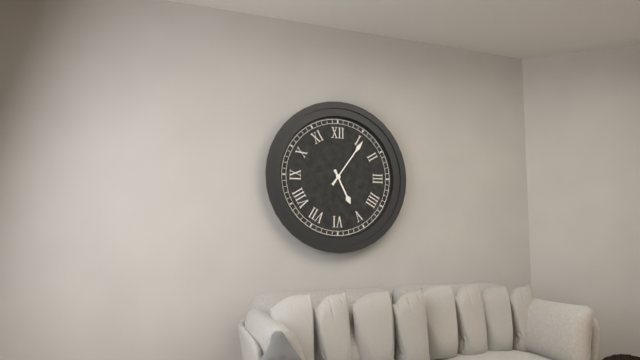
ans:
**5:06**
